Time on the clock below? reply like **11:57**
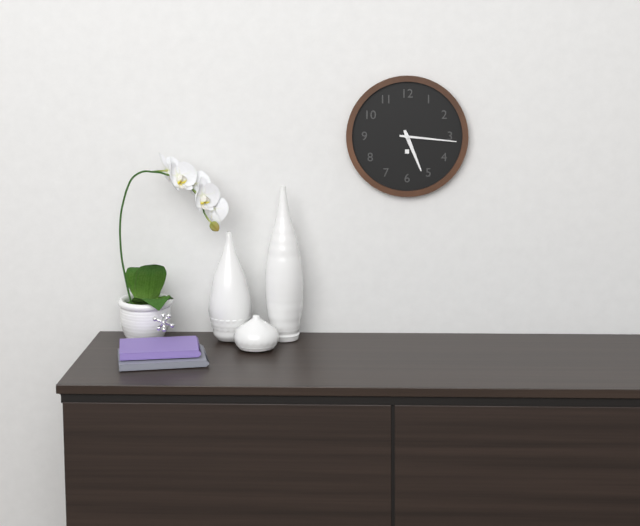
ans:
**5:16**
